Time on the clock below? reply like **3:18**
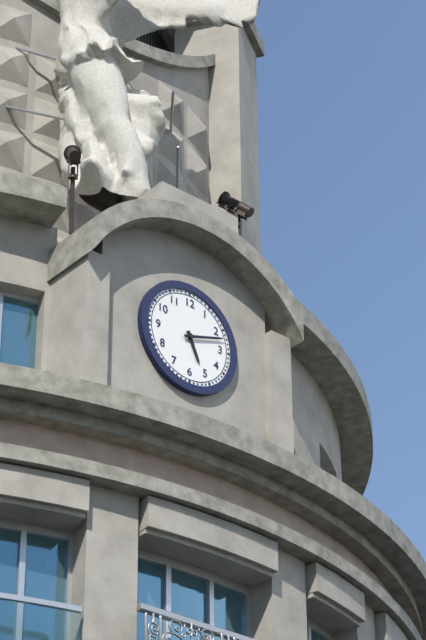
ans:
**5:12**
